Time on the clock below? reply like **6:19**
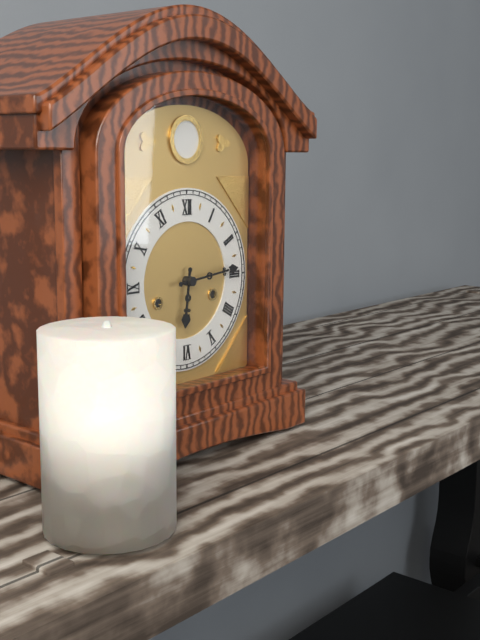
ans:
**6:14**
